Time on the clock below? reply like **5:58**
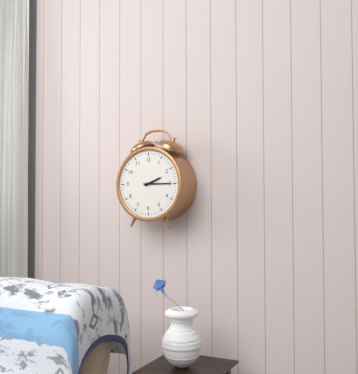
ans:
**2:15**
